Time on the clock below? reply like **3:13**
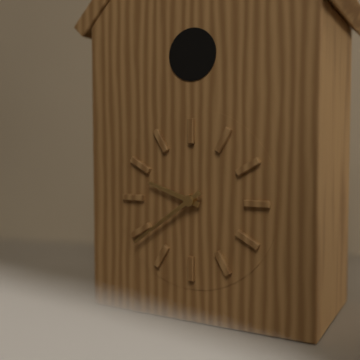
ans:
**9:39**
